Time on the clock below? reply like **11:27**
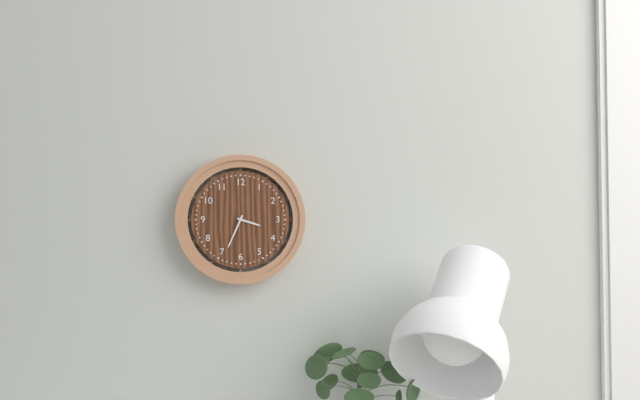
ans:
**3:34**
